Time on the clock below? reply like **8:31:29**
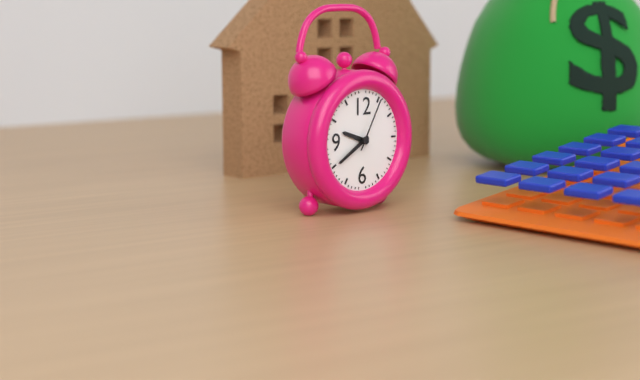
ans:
**9:40:05**
